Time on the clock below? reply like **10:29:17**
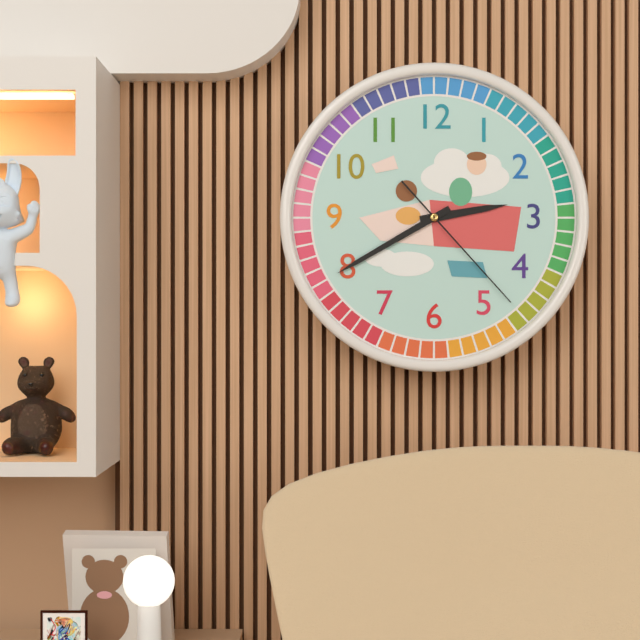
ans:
**2:40:23**
